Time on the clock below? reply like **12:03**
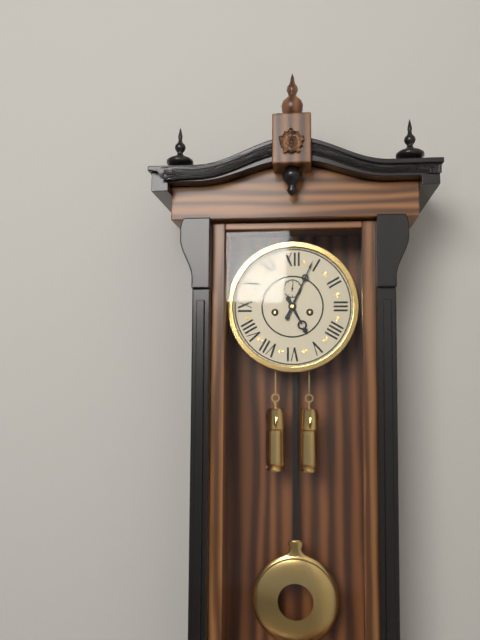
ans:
**5:04**
